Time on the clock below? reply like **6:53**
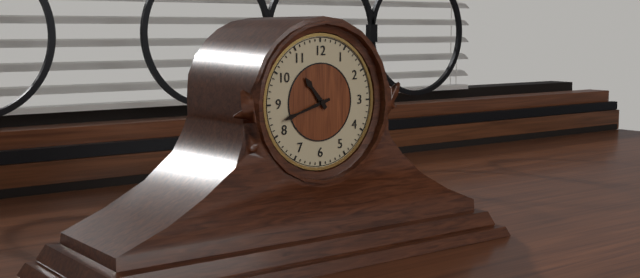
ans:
**10:42**
